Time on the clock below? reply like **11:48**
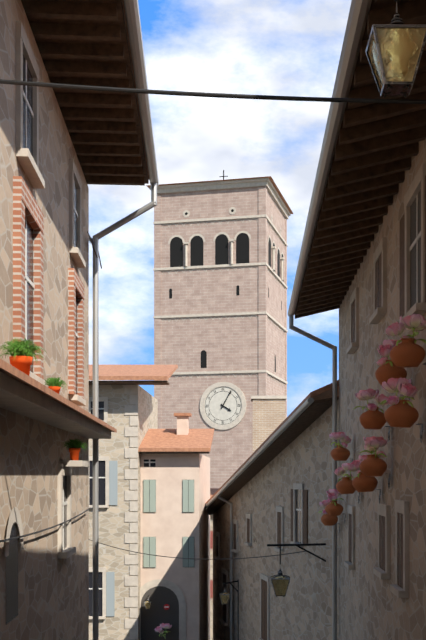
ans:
**4:05**
